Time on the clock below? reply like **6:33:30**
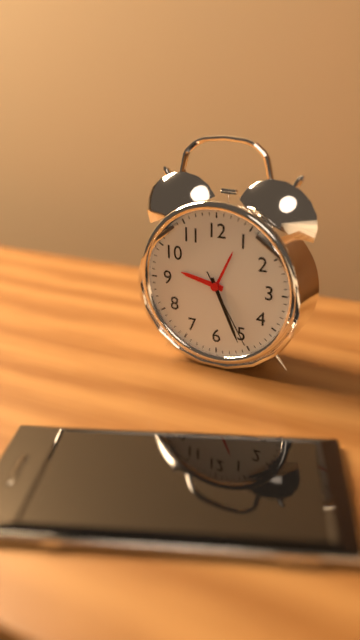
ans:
**9:26:25**
